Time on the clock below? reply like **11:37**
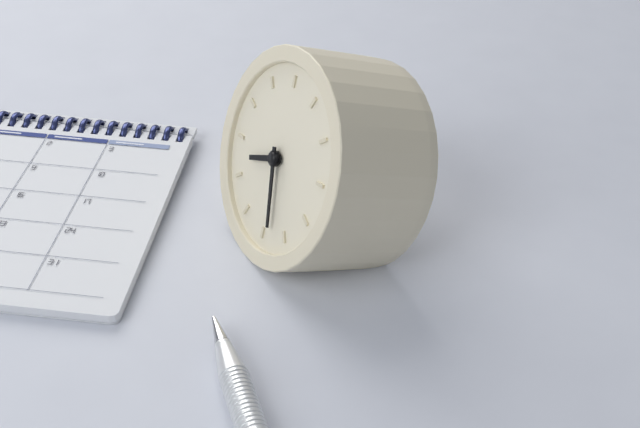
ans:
**8:28**
